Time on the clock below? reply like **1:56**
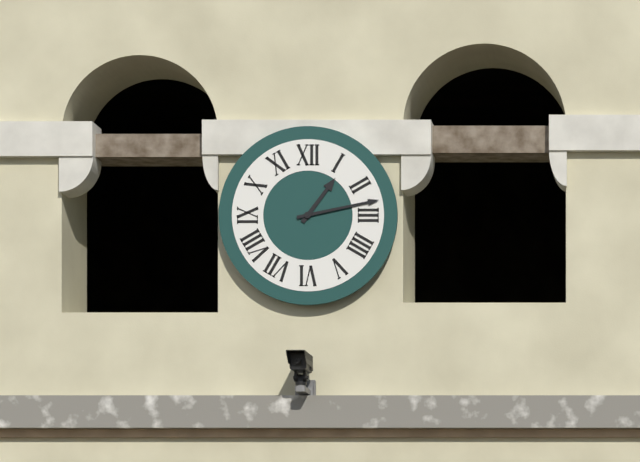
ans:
**1:13**
